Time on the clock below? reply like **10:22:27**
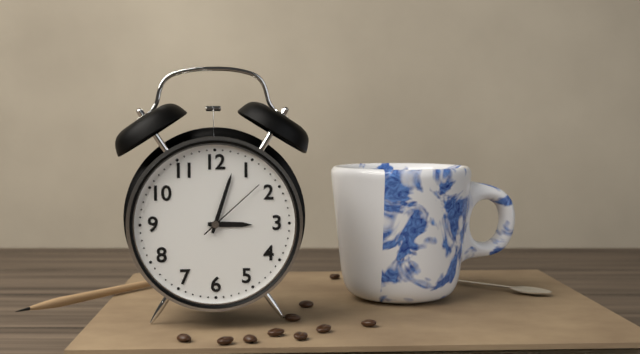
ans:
**3:03:08**
